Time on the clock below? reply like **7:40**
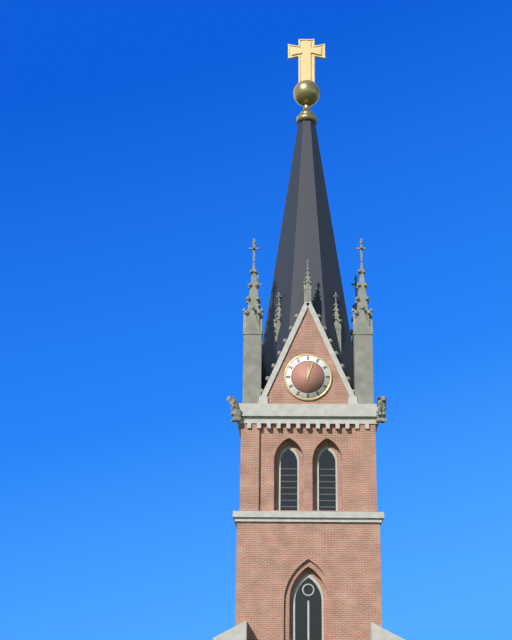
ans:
**12:03**
